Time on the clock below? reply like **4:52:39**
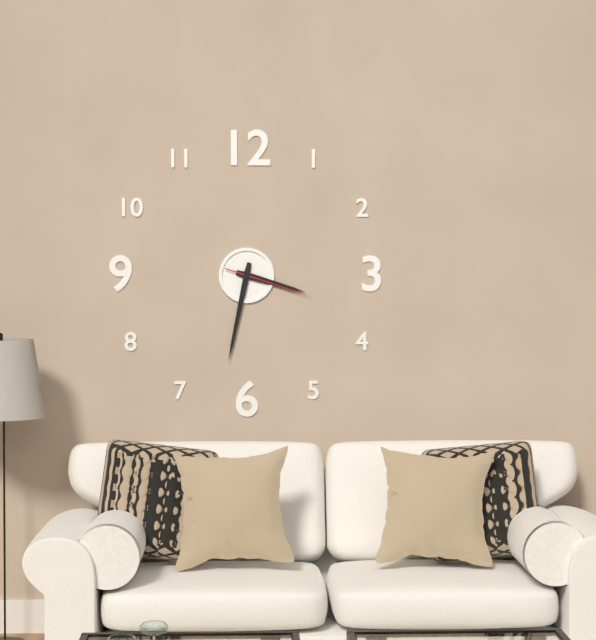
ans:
**3:32:18**
